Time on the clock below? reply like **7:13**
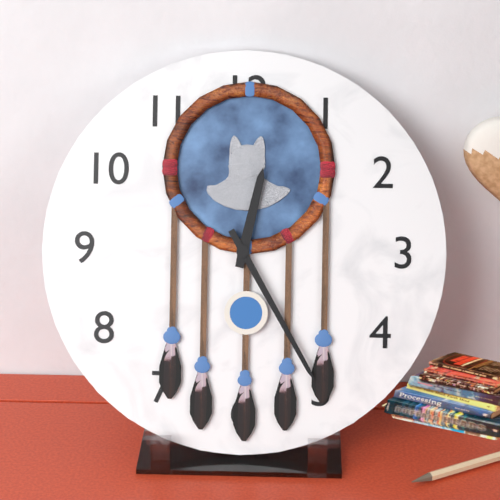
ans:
**12:25**
